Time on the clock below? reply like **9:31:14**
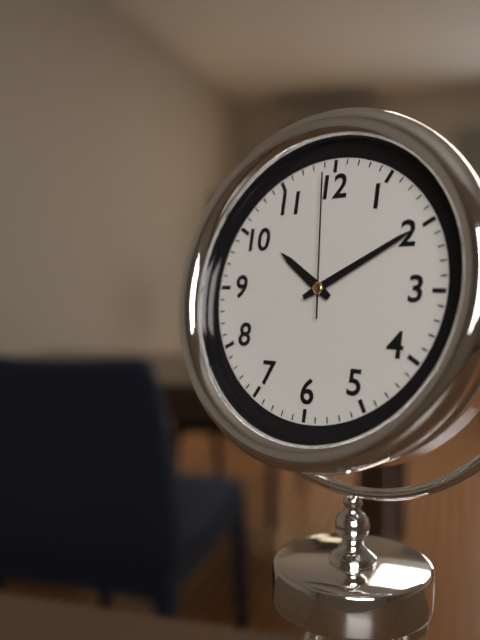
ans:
**10:10:59**
